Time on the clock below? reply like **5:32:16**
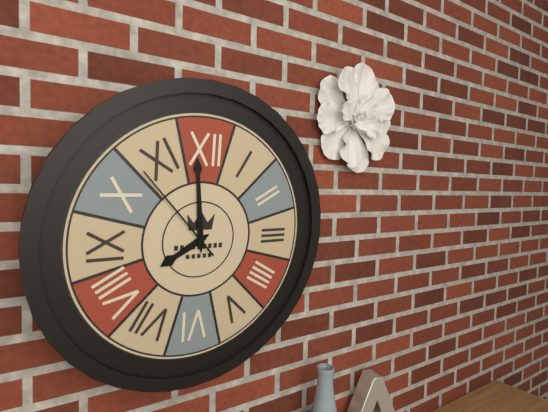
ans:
**7:59:53**
